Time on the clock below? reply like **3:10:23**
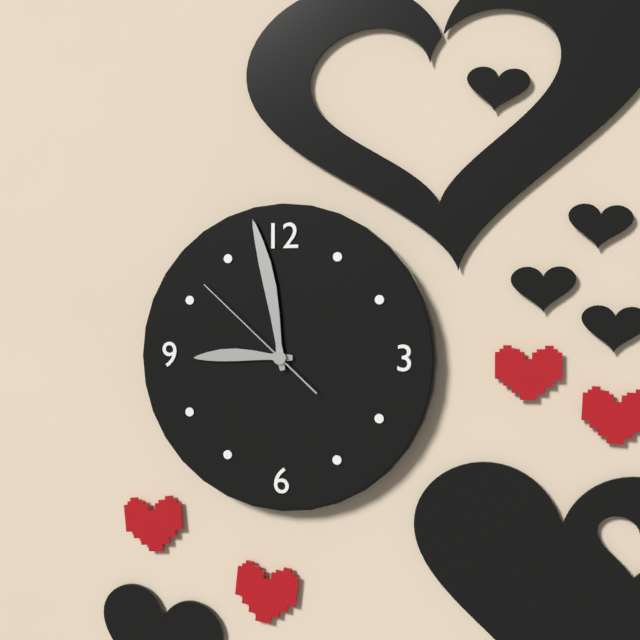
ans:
**8:58:52**
